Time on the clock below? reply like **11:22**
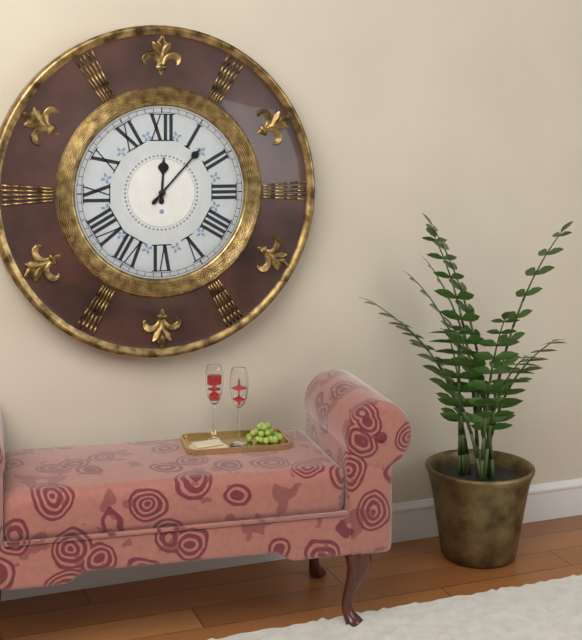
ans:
**12:07**
